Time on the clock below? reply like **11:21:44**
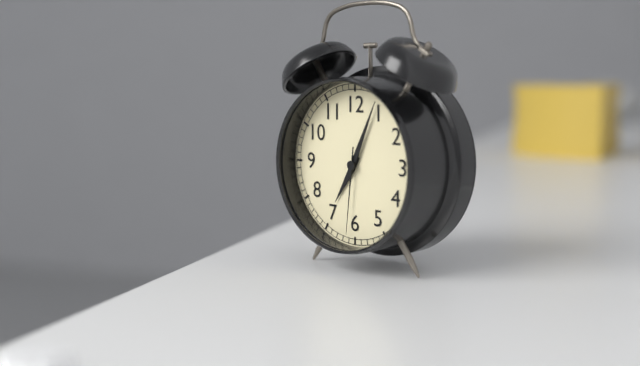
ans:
**7:04:31**
